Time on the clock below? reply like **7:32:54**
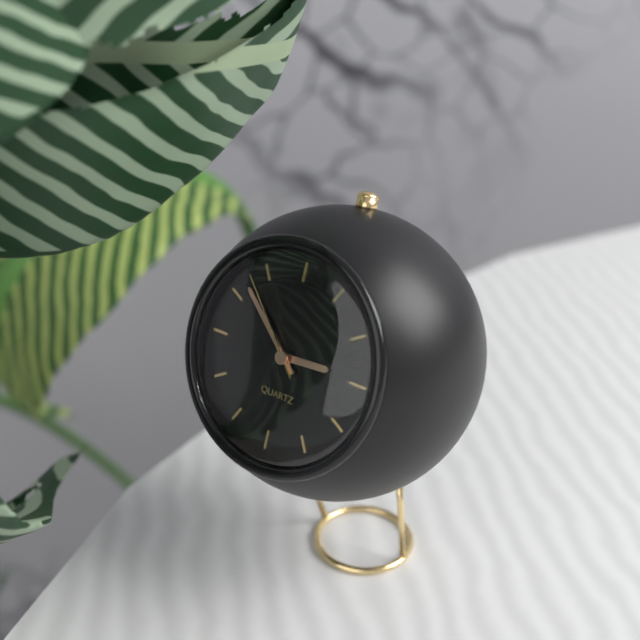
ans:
**2:52:53**
